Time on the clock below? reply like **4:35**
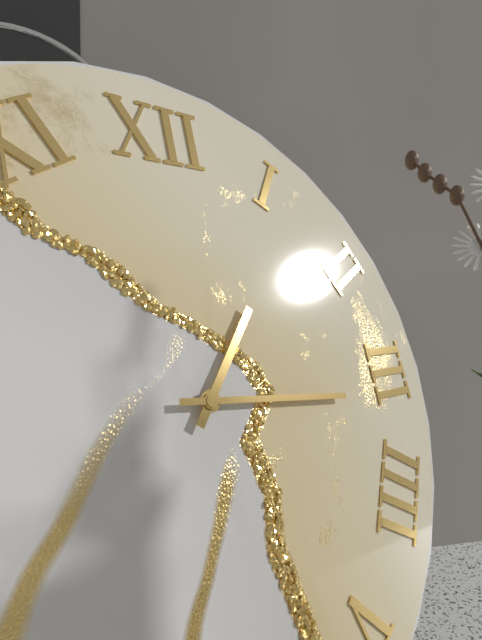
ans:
**1:16**
